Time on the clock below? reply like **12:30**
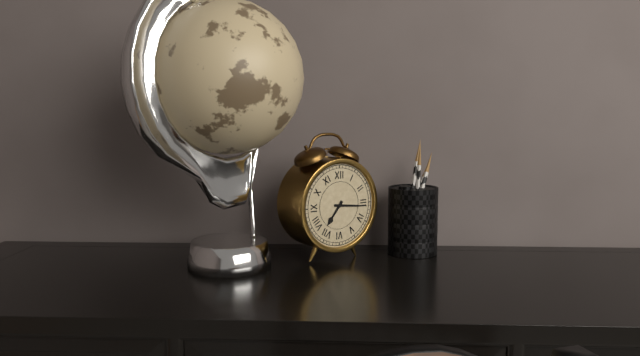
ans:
**7:16**
